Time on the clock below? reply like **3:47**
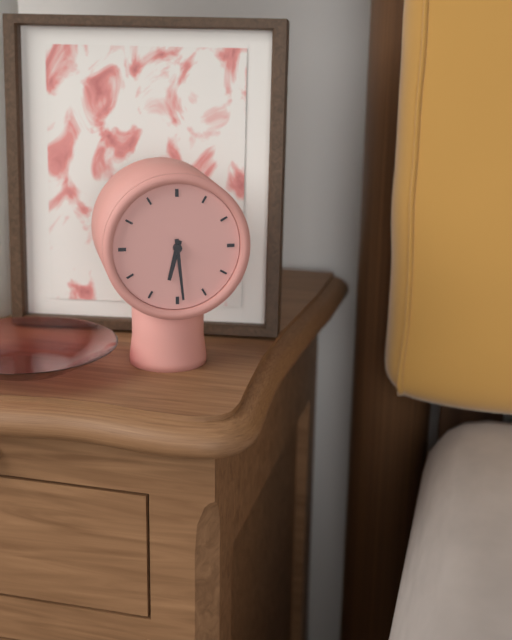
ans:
**6:29**
